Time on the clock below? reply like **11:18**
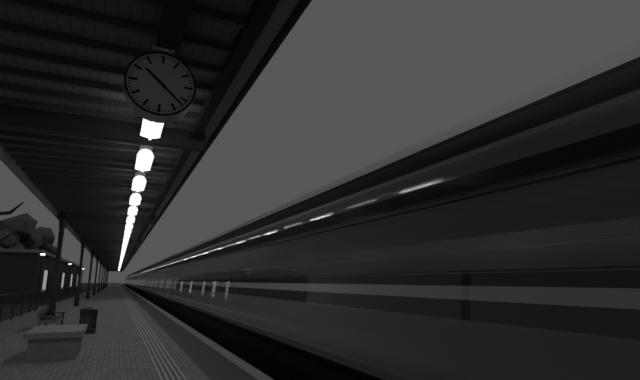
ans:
**10:22**
